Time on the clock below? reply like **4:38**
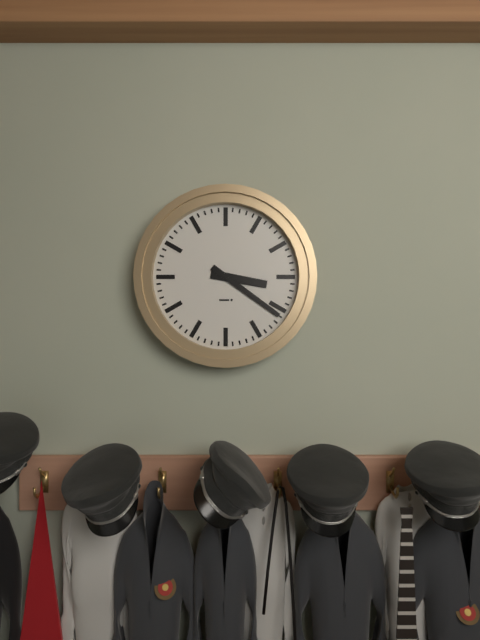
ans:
**3:21**
